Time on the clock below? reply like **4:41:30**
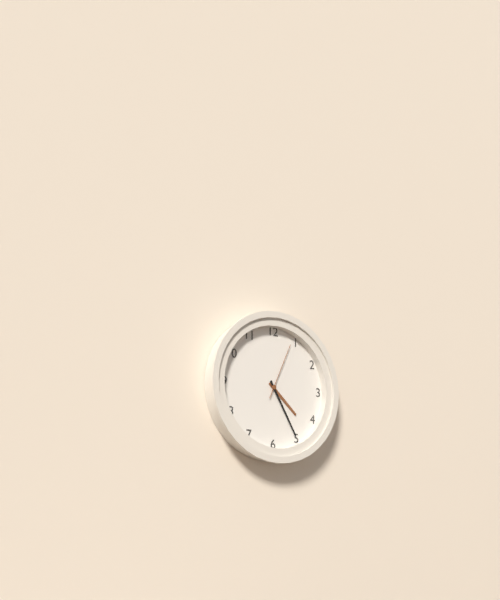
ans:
**4:25:04**
